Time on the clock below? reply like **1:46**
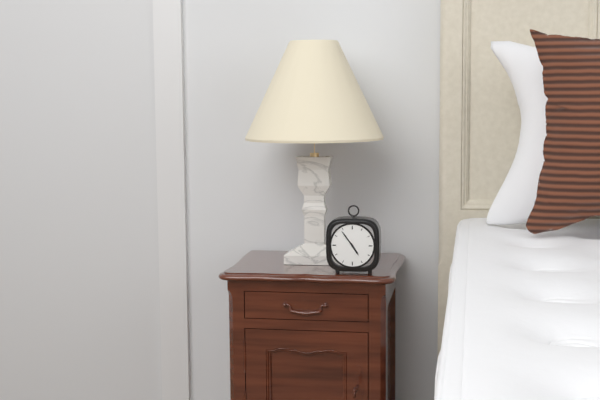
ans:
**4:54**
